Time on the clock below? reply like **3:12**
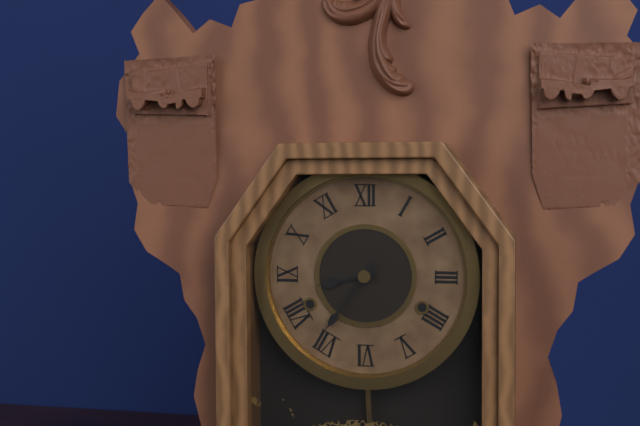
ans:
**8:36**
